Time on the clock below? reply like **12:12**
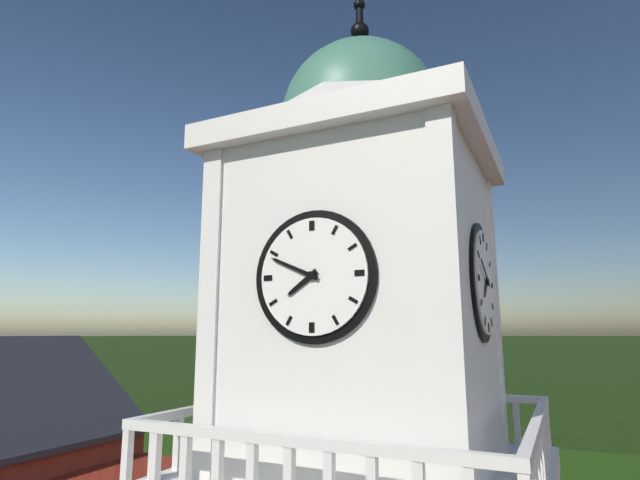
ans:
**7:49**
